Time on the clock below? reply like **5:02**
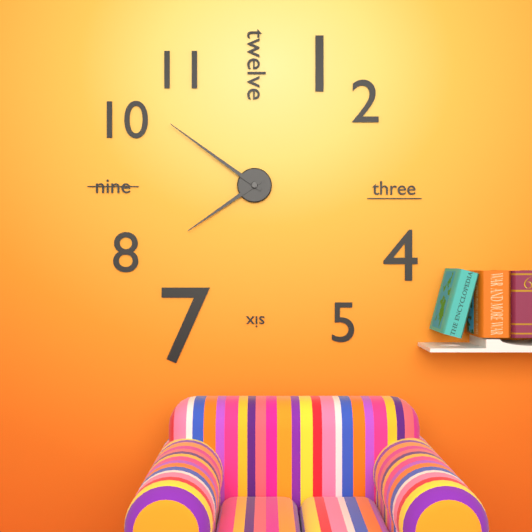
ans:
**7:51**
